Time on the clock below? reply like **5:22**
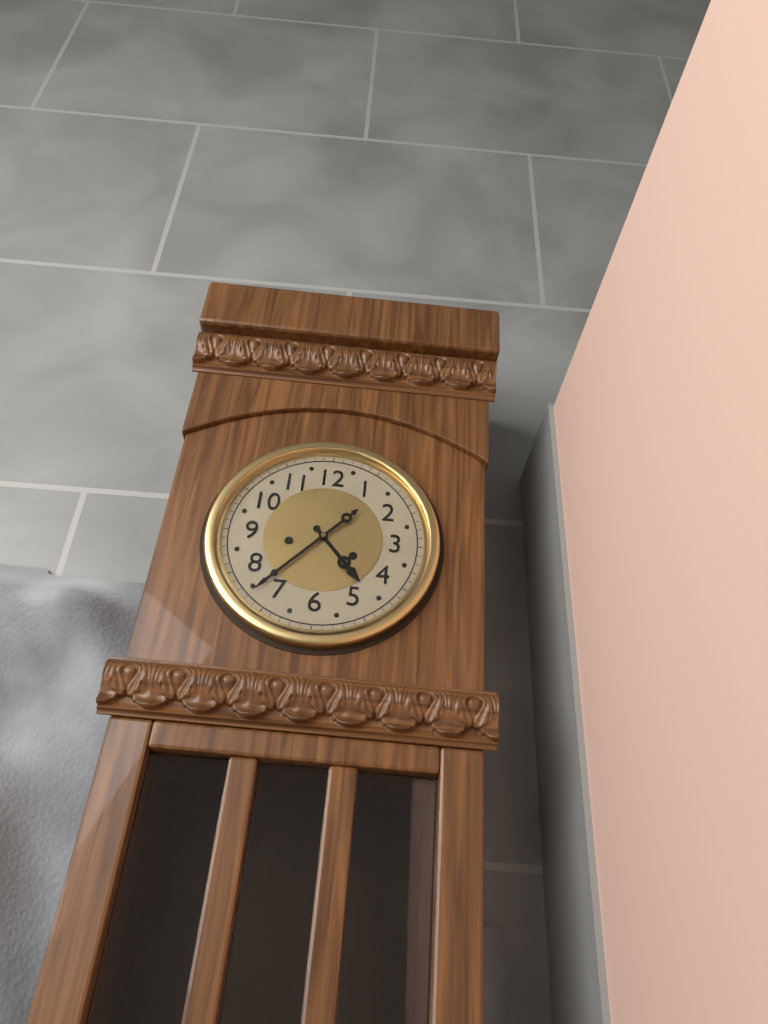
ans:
**4:37**
